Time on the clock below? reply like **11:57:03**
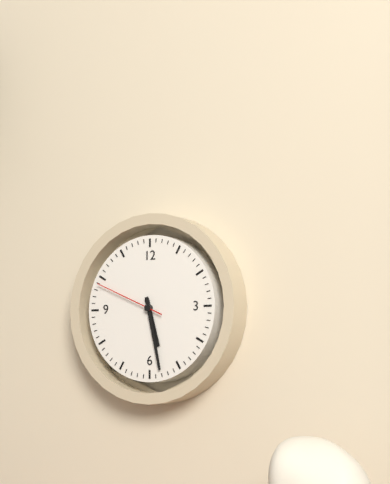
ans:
**5:28:49**
